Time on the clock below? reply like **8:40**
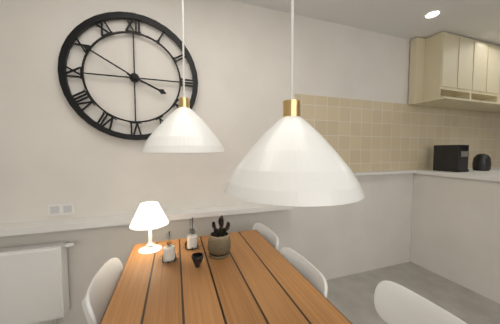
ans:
**3:50**
